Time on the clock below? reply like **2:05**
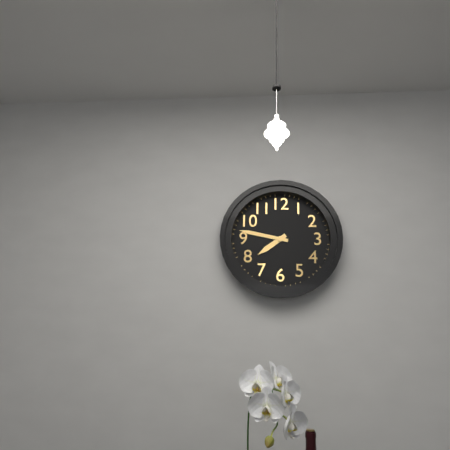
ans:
**7:47**
